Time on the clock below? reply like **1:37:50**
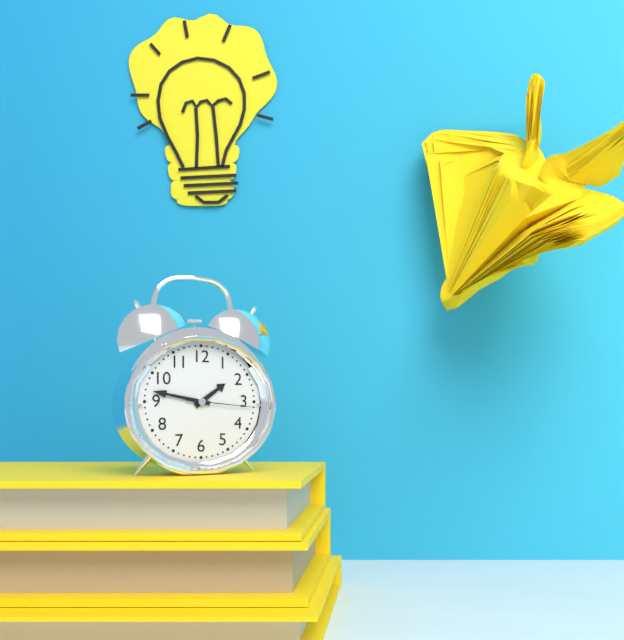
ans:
**1:47:16**
